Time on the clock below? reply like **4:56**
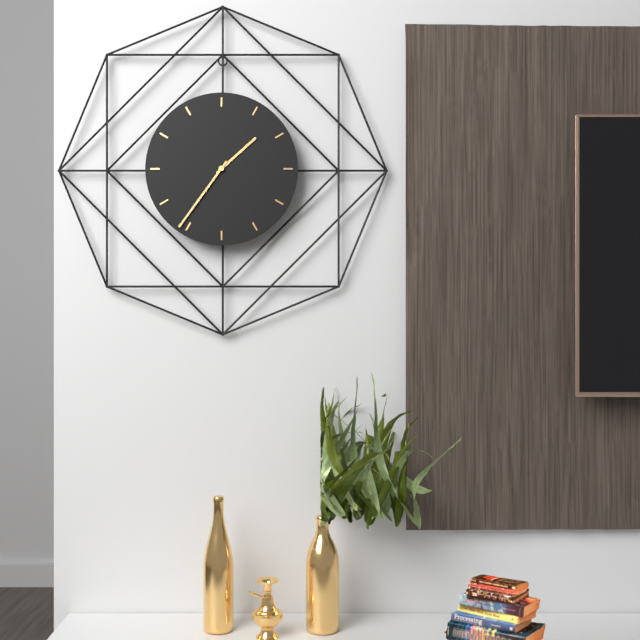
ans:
**1:36**
